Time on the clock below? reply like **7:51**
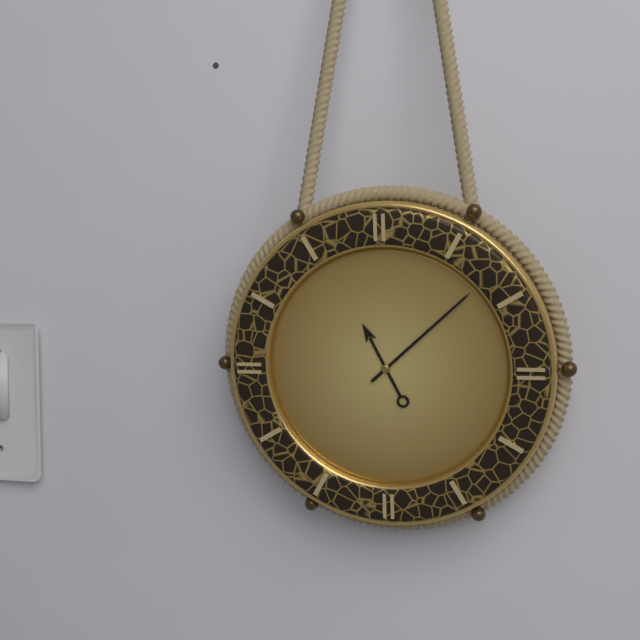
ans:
**11:08**
